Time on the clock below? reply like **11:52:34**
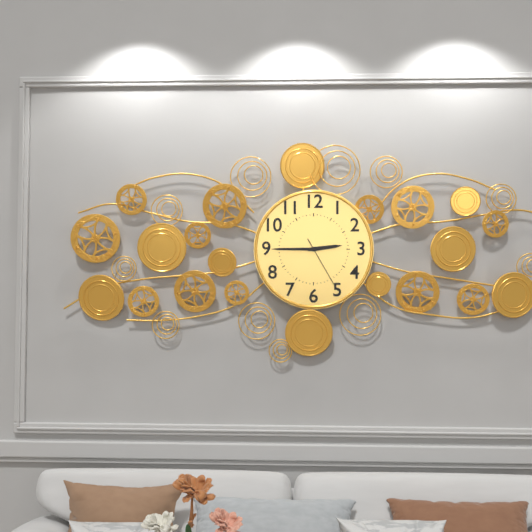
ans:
**2:45:25**
